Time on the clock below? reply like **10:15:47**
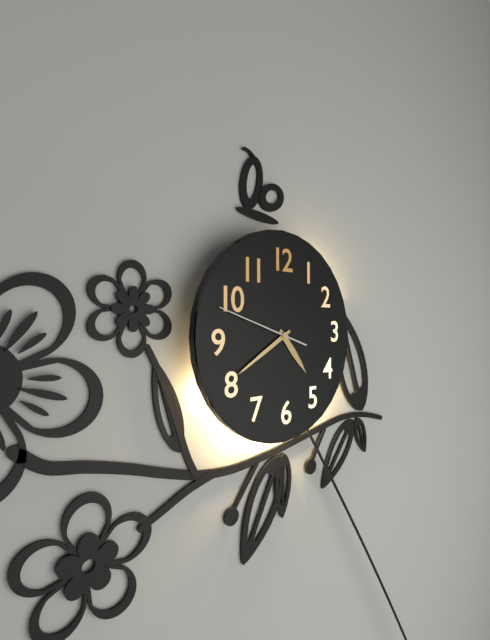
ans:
**4:40:48**
